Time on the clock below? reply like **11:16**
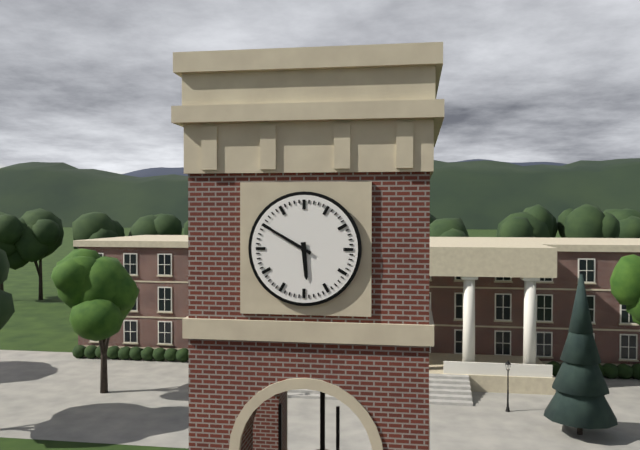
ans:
**5:50**
